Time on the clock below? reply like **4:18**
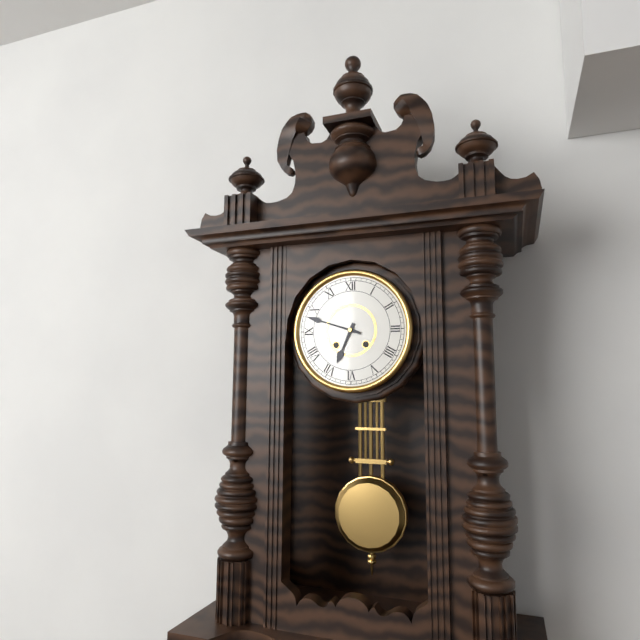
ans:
**6:48**
